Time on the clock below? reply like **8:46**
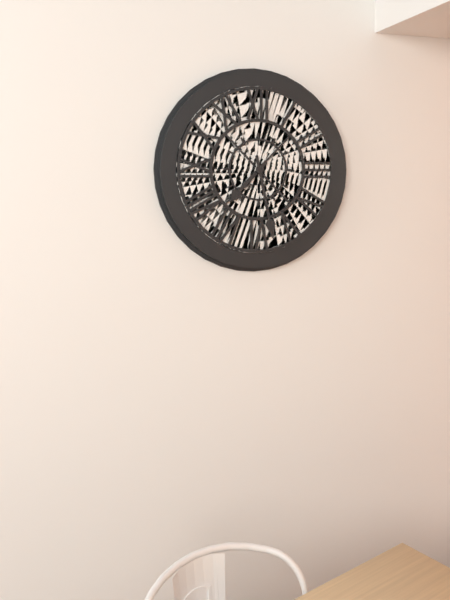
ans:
**7:28**
